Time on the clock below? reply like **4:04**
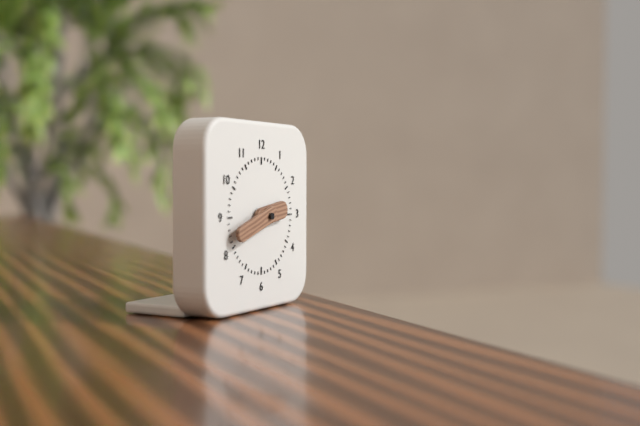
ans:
**2:42**
